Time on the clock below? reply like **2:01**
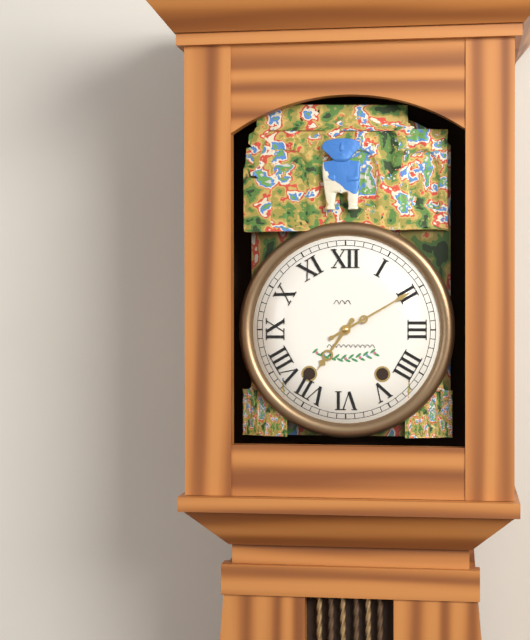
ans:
**7:10**
